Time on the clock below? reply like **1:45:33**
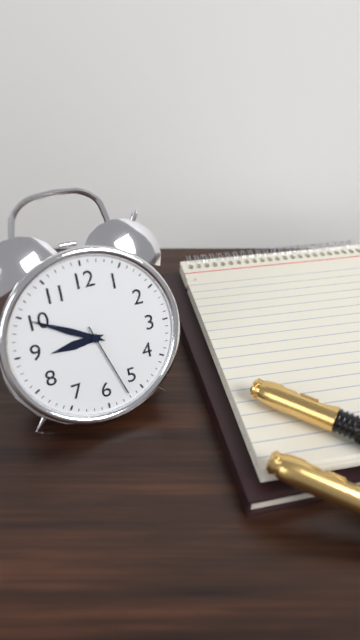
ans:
**8:50:27**
